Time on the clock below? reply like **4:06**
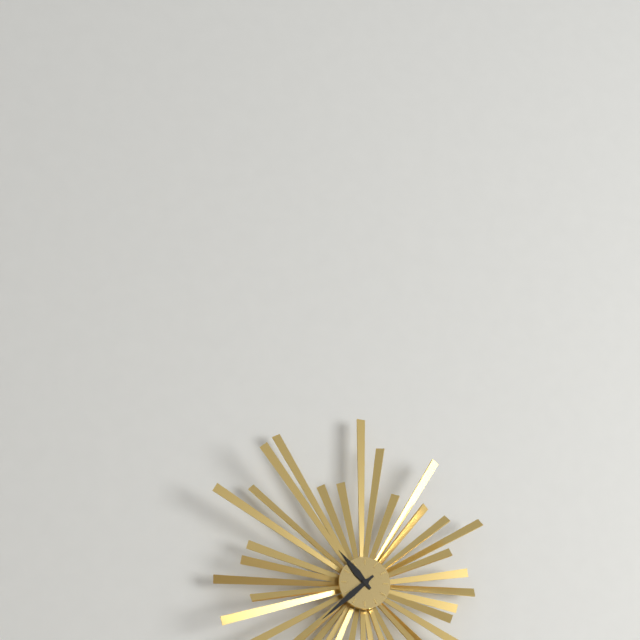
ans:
**10:38**
